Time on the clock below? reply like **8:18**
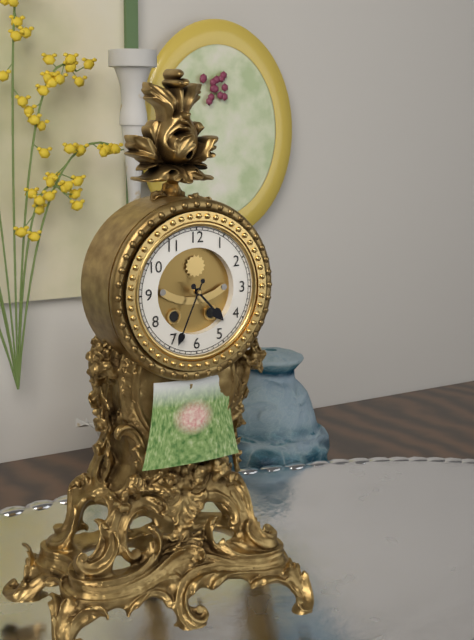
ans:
**4:34**
